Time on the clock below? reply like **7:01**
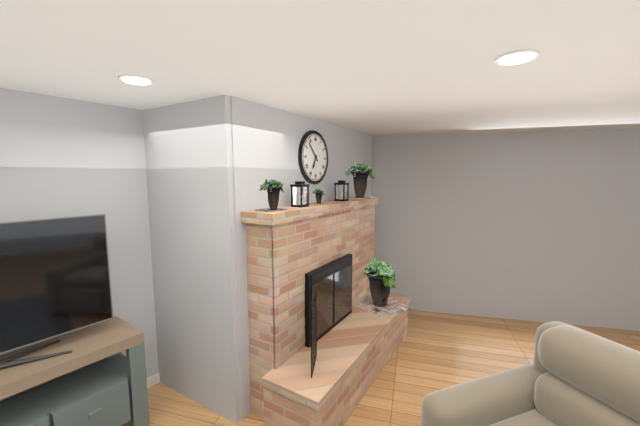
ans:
**6:53**
